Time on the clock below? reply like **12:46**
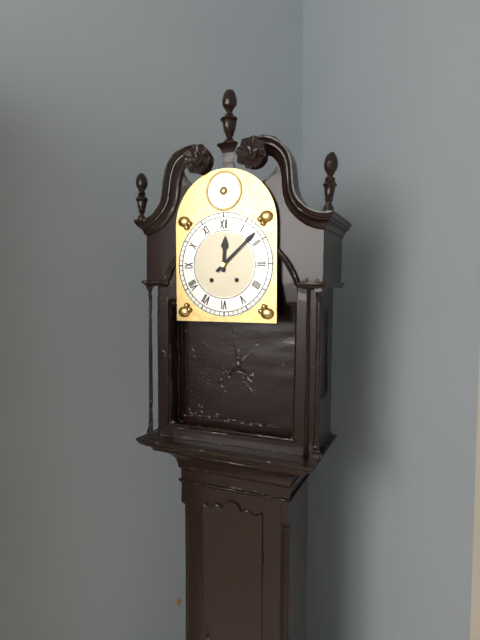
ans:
**12:08**
